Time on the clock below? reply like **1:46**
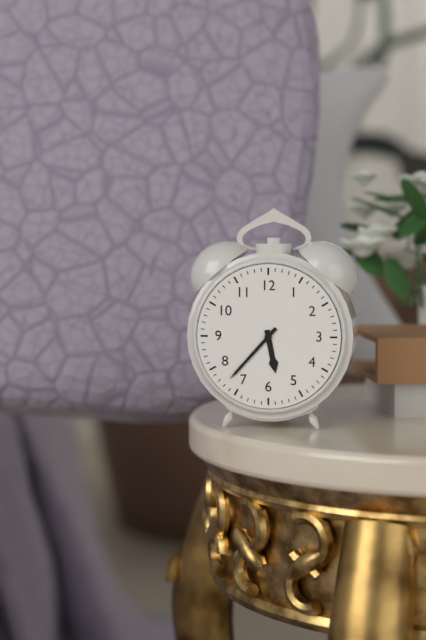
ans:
**5:37**
